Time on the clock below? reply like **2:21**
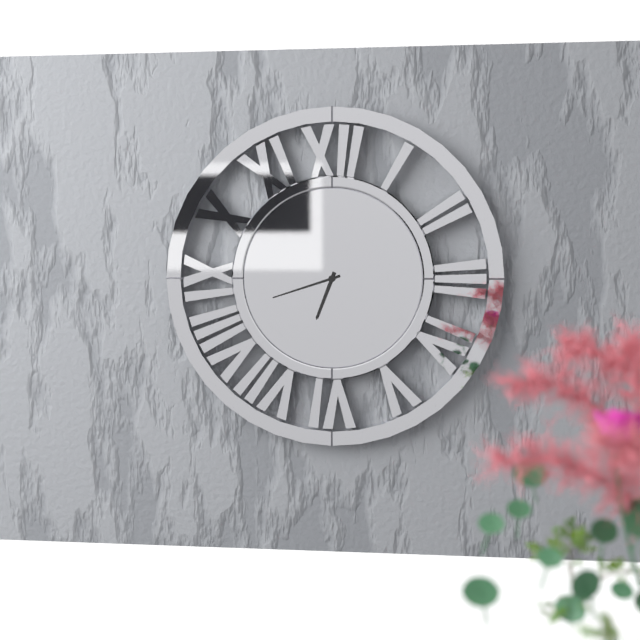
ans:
**6:42**
